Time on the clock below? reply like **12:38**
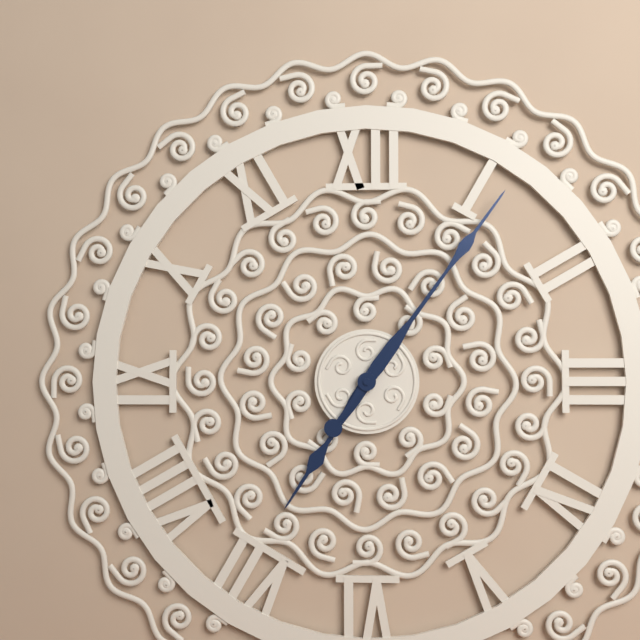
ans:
**7:06**
